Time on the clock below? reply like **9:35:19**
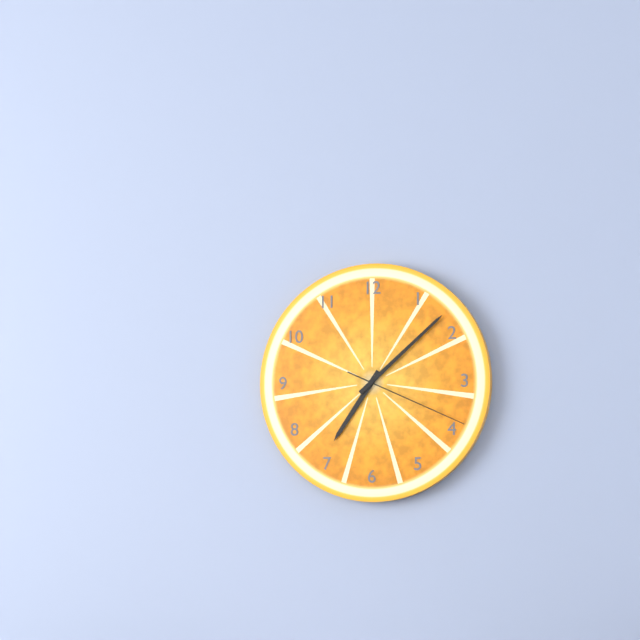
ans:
**7:08:19**
